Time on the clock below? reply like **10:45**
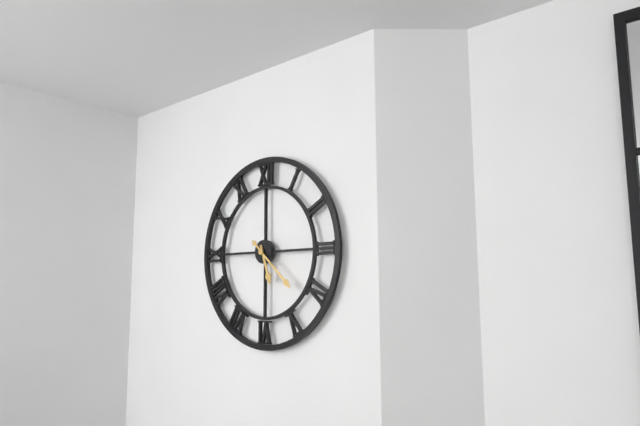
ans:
**5:22**
